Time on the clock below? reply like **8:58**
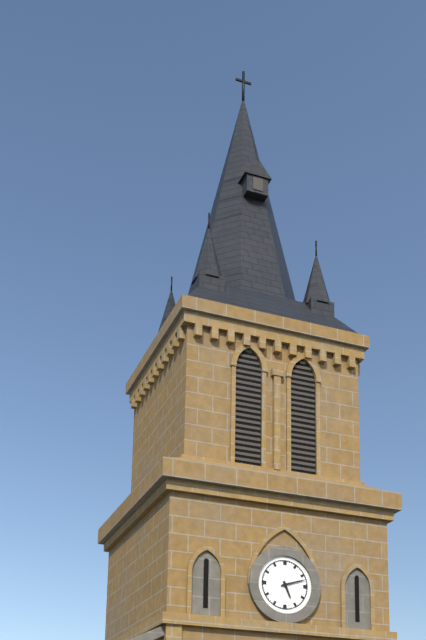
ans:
**5:12**
